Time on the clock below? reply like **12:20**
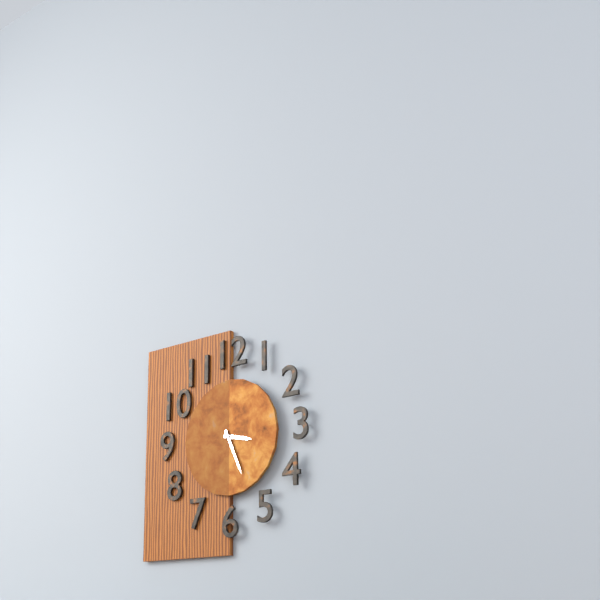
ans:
**3:26**
